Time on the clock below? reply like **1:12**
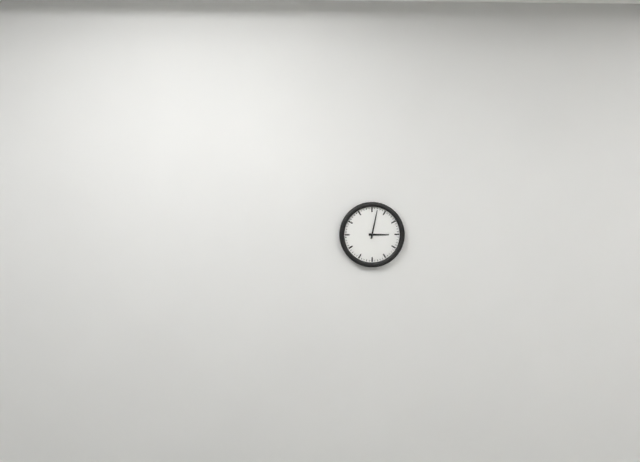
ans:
**3:02**
